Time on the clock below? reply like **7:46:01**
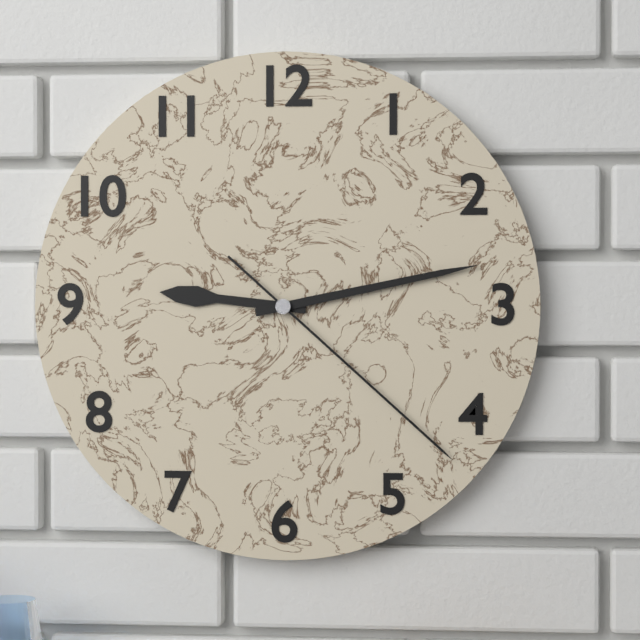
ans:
**9:13:22**
